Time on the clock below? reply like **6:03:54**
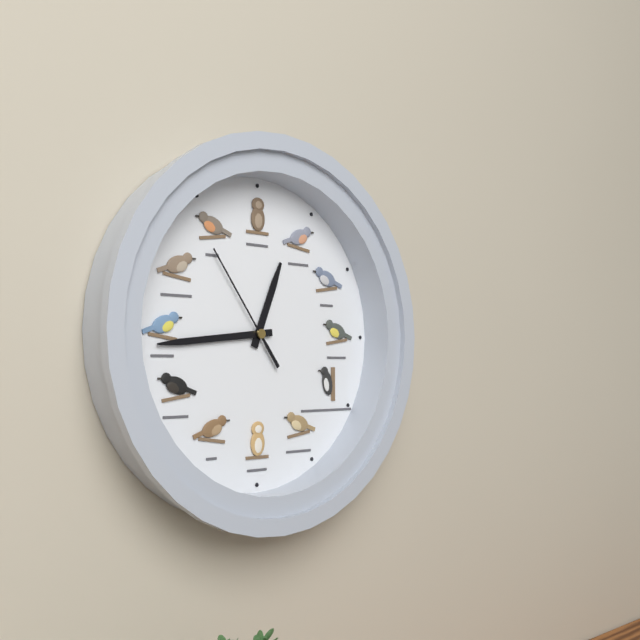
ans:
**12:44:54**
